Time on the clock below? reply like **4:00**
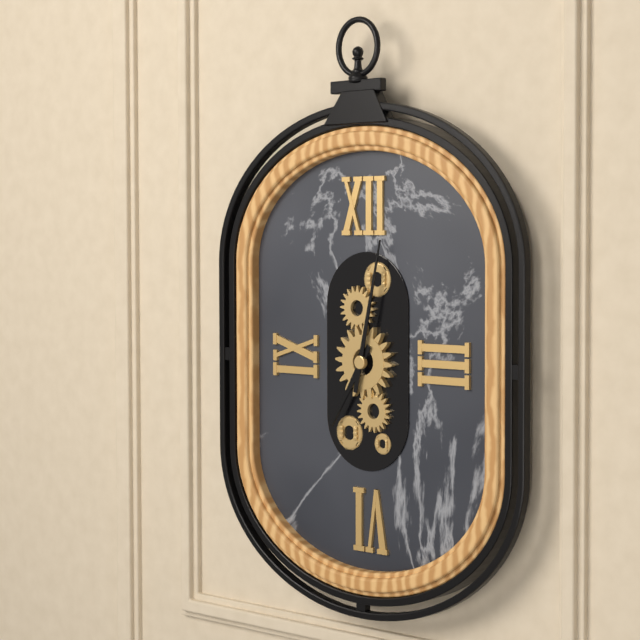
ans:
**7:02**
